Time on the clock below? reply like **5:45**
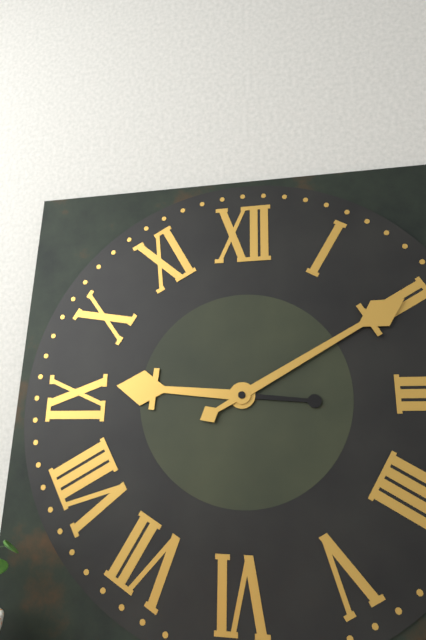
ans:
**9:10**
